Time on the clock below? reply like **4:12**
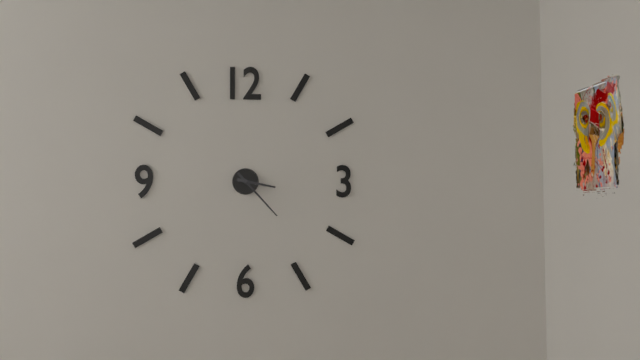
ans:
**3:23**
